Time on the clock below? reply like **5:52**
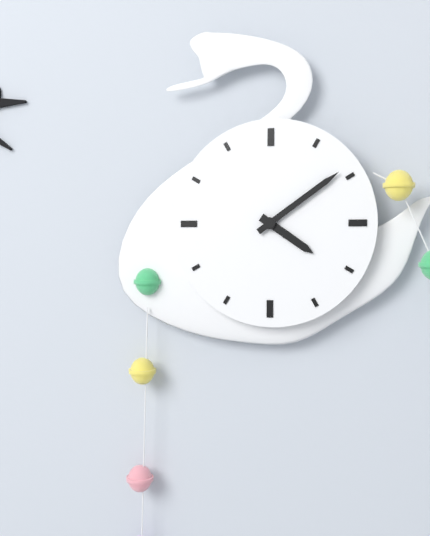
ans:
**4:09**
